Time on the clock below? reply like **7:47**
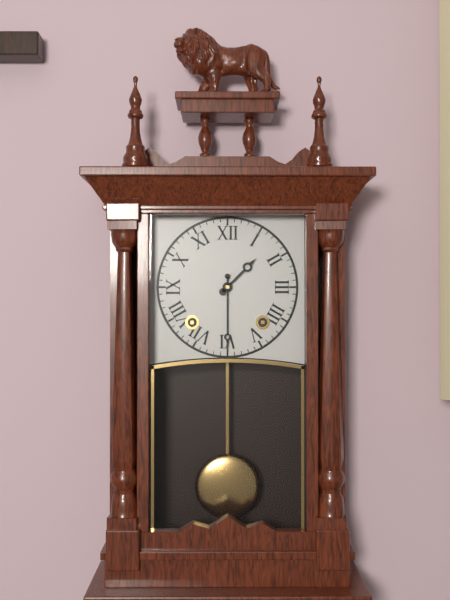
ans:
**1:30**
